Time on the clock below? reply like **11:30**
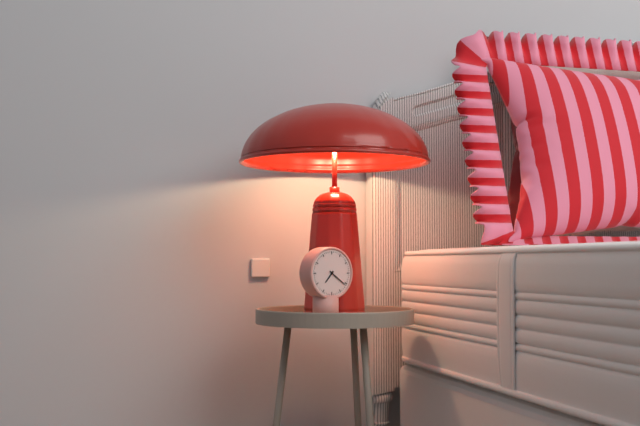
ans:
**7:21**
